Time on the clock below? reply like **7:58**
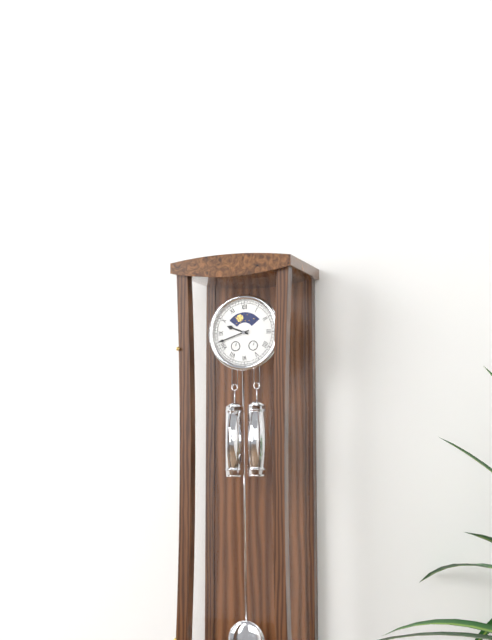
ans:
**9:42**
